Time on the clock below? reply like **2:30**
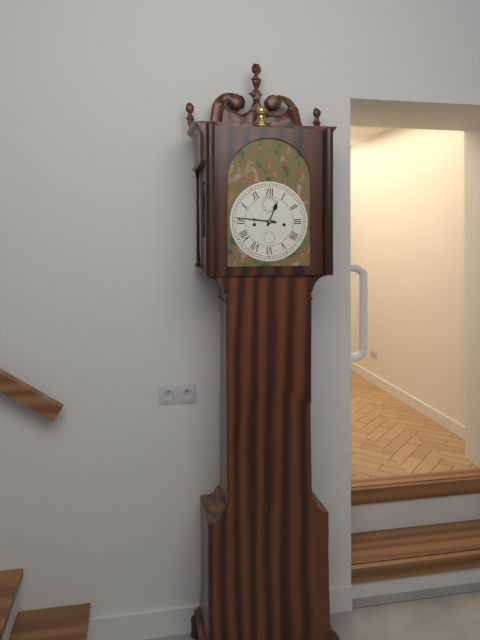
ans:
**12:46**
